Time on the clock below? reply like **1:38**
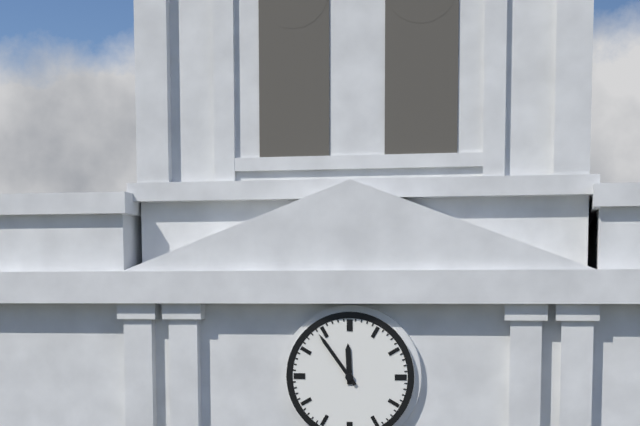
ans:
**11:54**
